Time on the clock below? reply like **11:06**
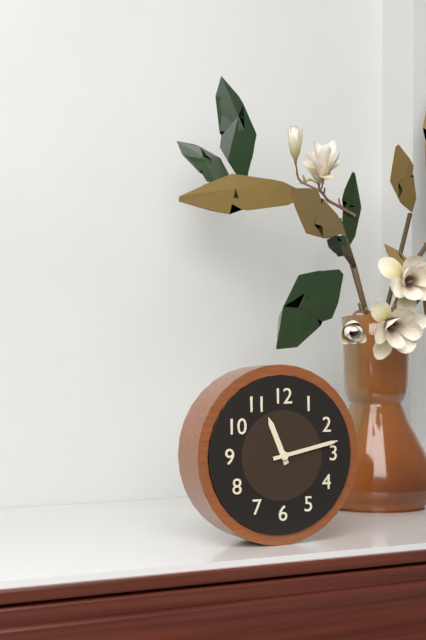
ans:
**11:13**
